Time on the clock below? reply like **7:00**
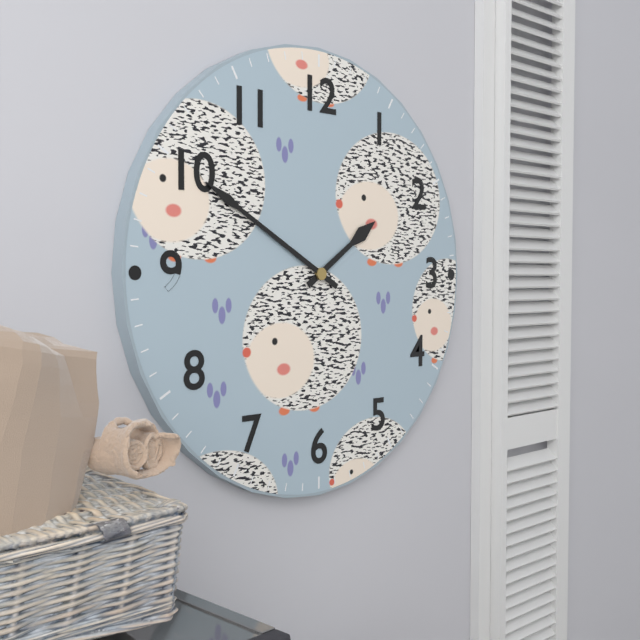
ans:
**1:50**
